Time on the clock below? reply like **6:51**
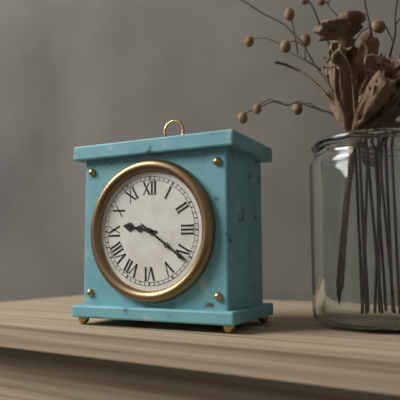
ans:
**9:21**
